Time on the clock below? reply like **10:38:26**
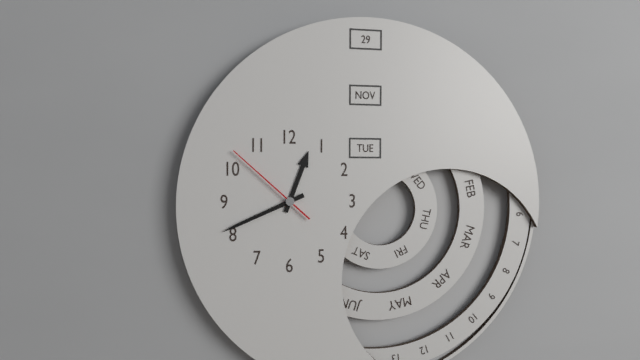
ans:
**12:41:52**
